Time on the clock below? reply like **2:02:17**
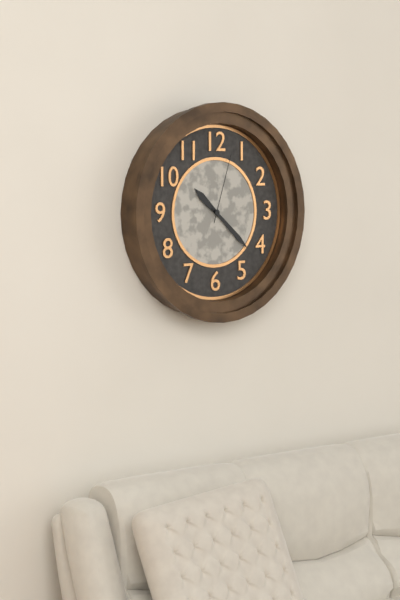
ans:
**10:22:03**
